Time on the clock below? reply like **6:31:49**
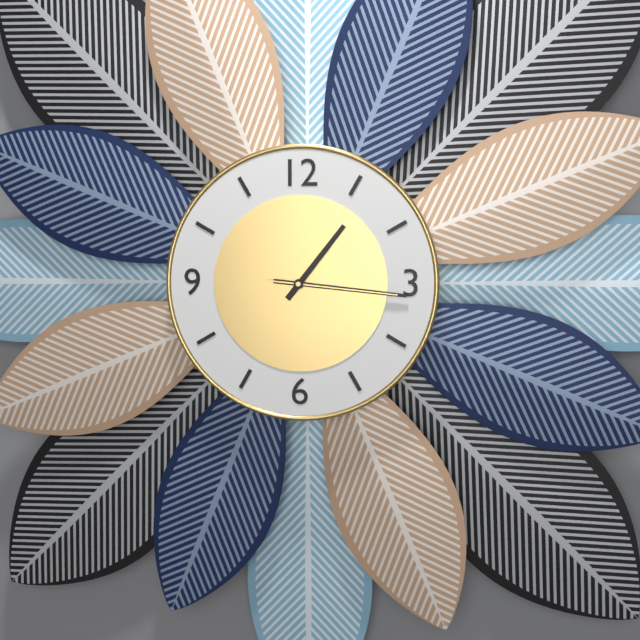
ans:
**1:16:16**
